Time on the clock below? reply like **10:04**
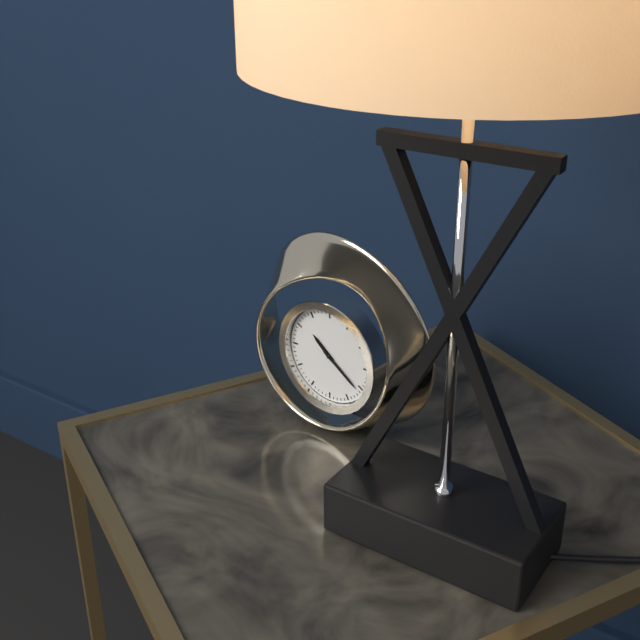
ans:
**10:21**
